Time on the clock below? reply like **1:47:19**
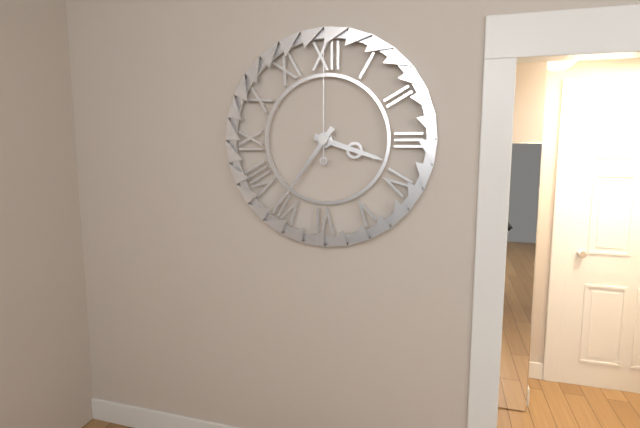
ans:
**3:36:00**
